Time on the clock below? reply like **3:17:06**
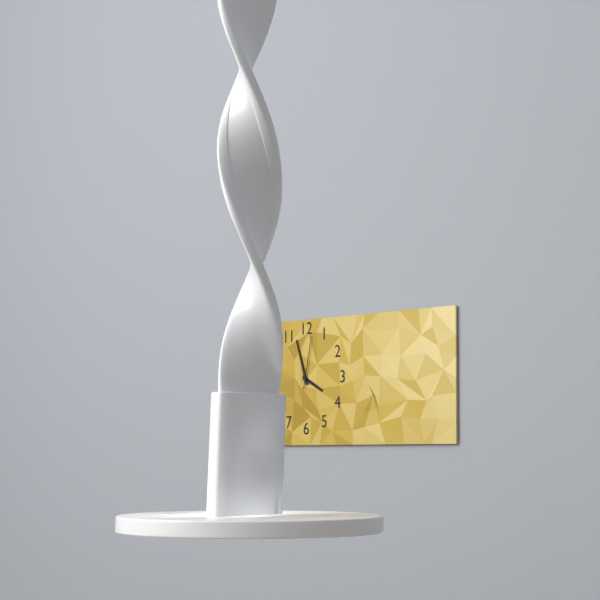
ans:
**3:57:02**
